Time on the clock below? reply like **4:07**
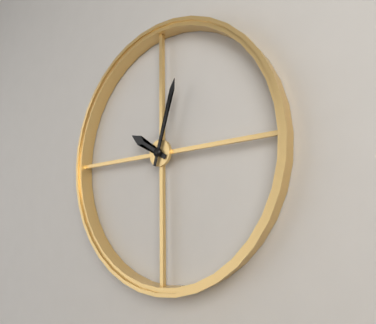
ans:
**10:03**
